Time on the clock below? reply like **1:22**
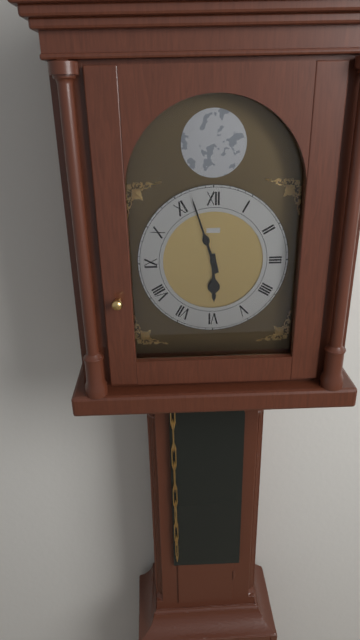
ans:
**5:57**
